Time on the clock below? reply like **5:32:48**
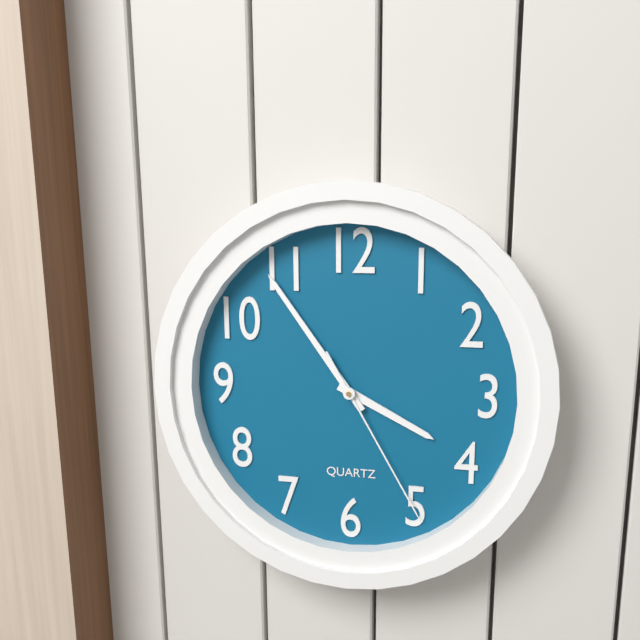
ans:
**3:54:25**
